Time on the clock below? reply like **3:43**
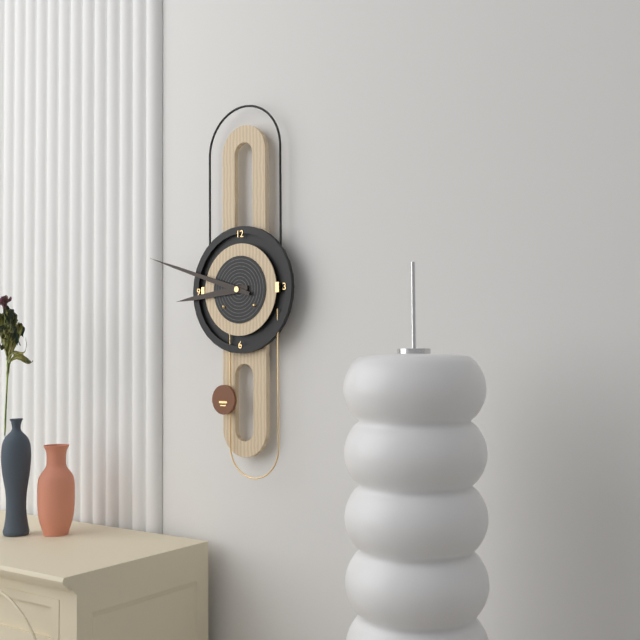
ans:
**8:48**
